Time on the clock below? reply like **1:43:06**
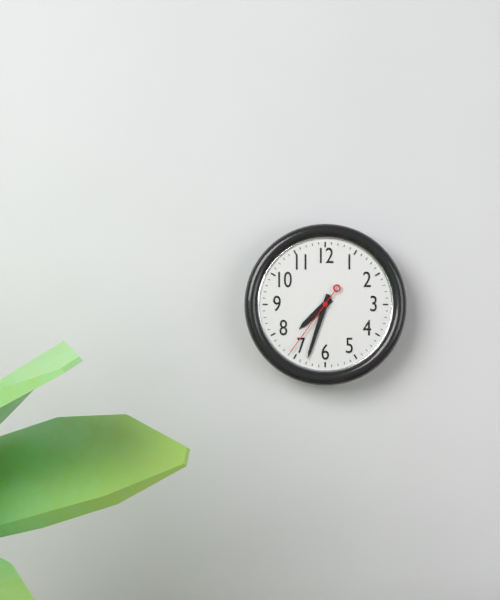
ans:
**7:33:36**
